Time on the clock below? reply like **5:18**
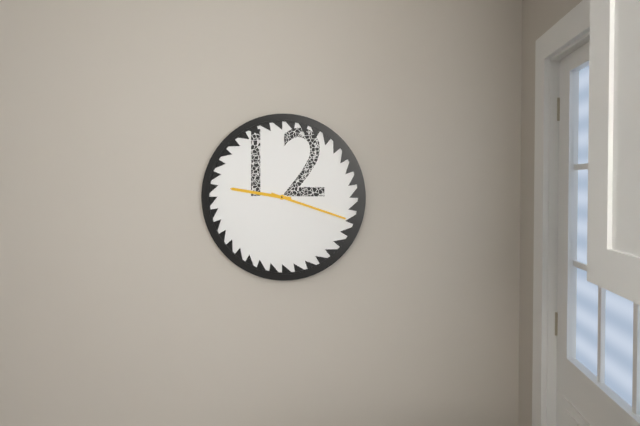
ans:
**9:18**
